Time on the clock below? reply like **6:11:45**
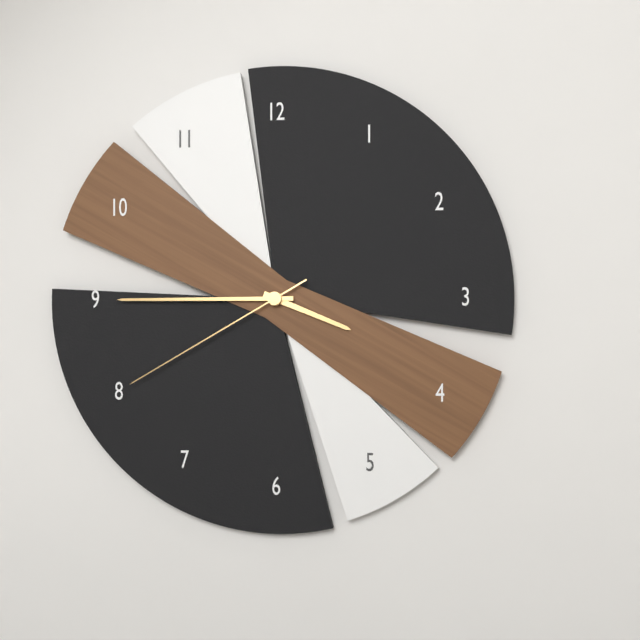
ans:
**3:45:40**
